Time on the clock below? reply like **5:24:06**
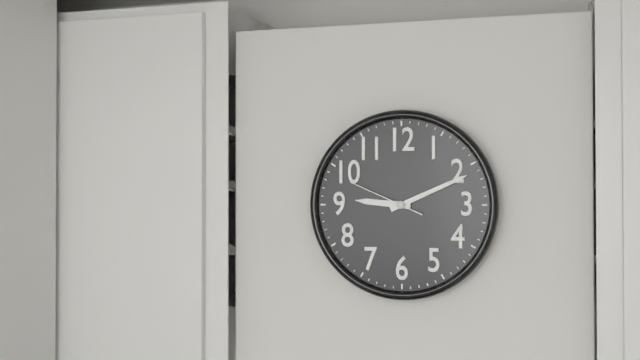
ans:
**9:11:49**
